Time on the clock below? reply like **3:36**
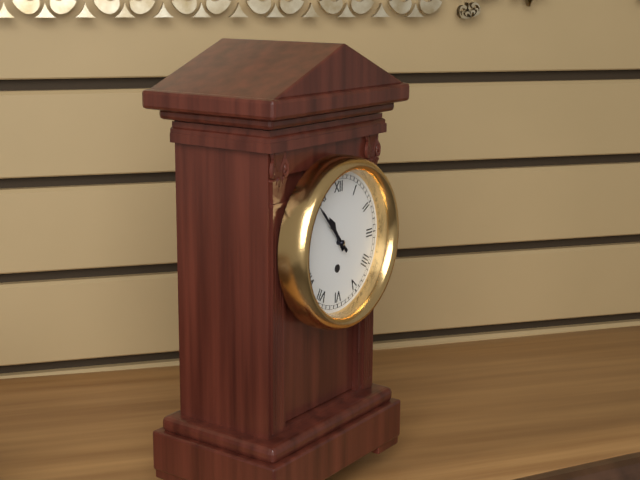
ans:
**10:53**
